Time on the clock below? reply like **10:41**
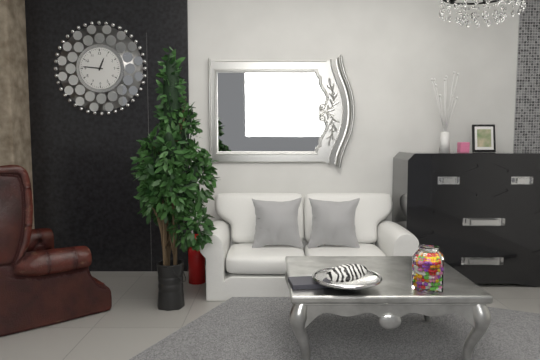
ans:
**12:46**
